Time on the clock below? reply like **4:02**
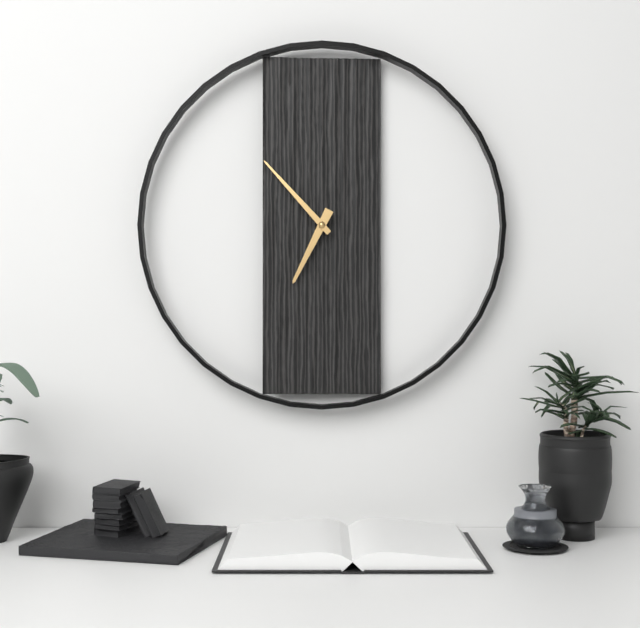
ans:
**6:53**
